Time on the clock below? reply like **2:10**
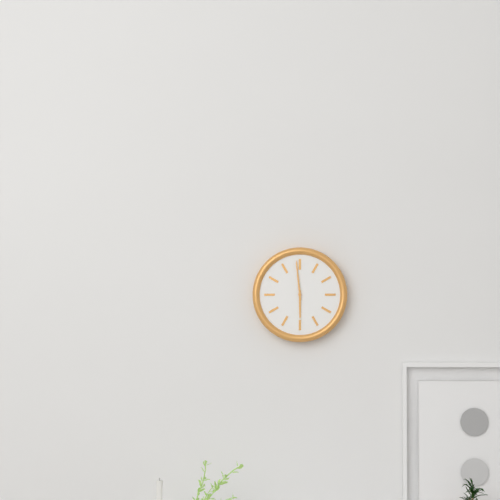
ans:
**5:59**
